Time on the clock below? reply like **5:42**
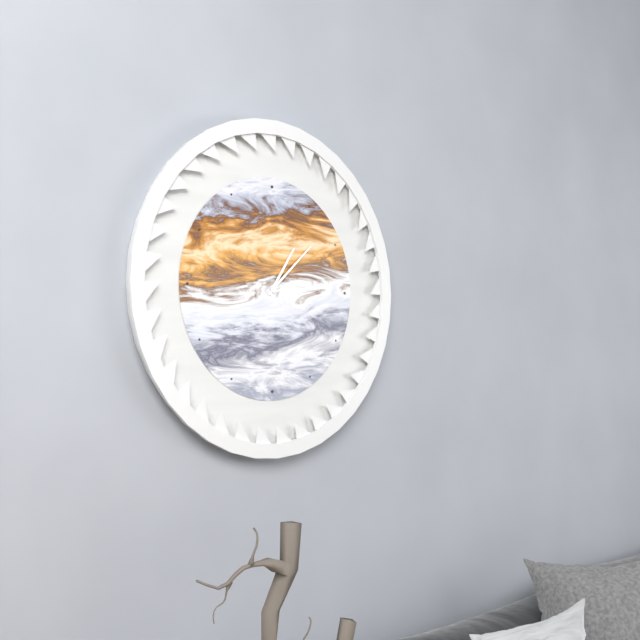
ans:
**1:08**
